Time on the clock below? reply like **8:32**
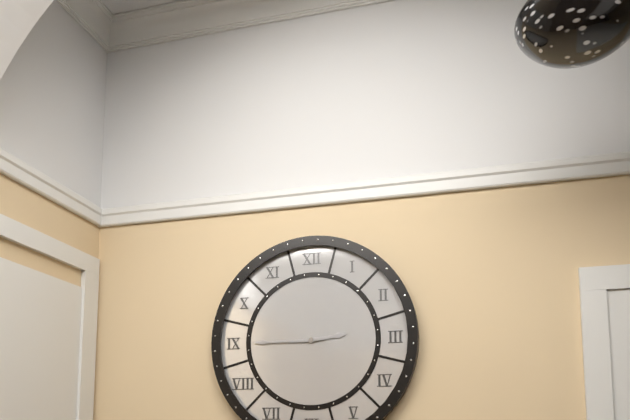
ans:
**2:45**
